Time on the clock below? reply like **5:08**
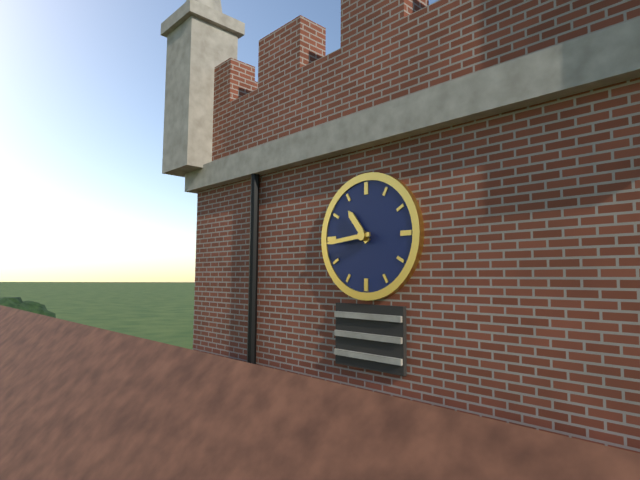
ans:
**10:44**
